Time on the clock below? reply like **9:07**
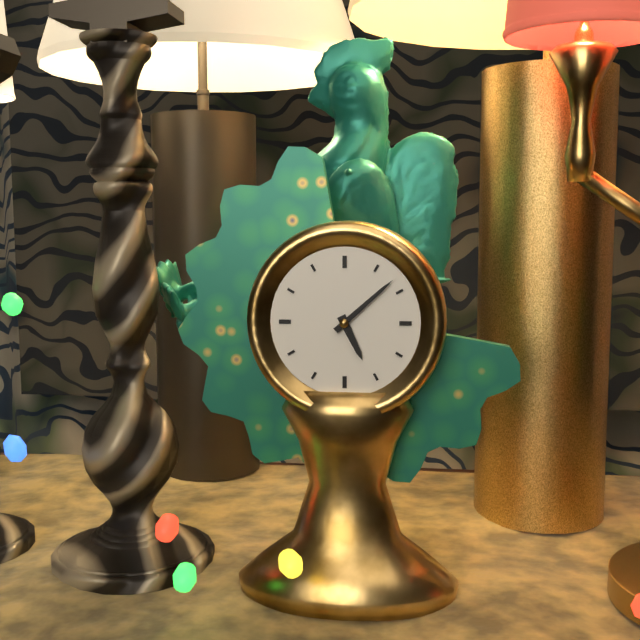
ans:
**5:08**
